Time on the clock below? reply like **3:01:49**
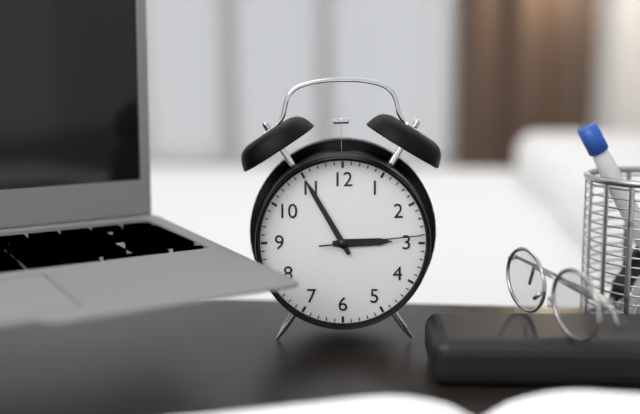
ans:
**2:55:14**
